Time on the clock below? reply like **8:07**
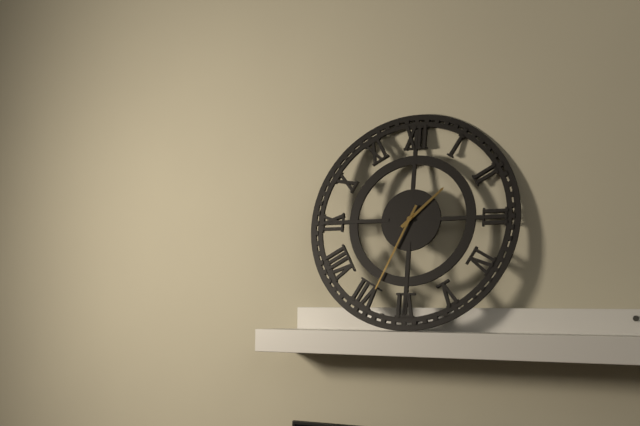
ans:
**1:34**
